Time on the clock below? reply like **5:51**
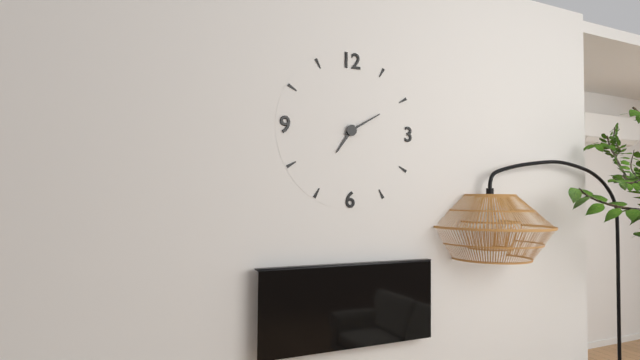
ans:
**7:10**
